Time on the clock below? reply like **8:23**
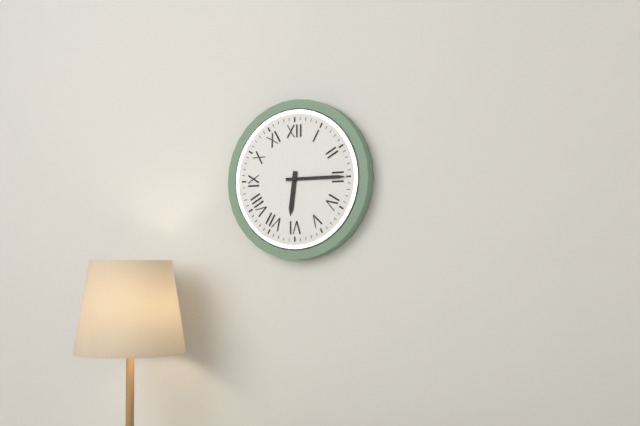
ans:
**6:15**
